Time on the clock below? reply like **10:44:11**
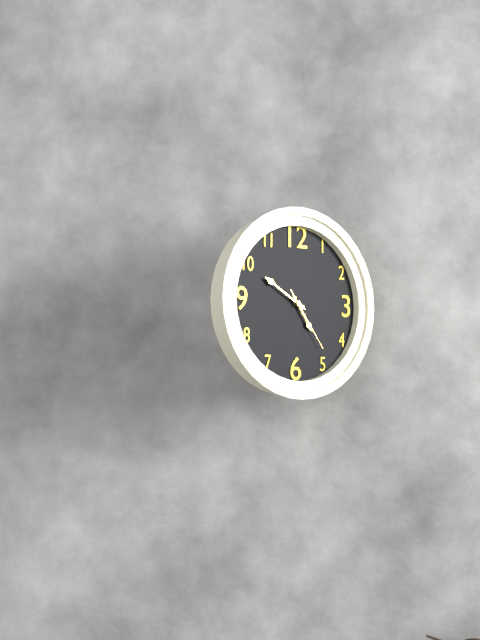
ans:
**4:50:24**
